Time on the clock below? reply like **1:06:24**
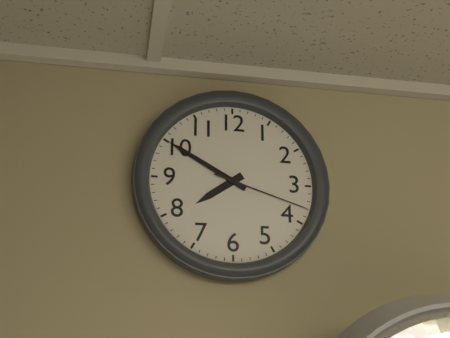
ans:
**7:50:18**
